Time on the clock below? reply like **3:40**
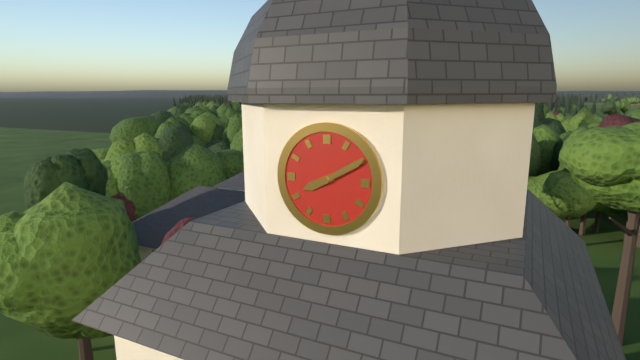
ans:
**8:10**
